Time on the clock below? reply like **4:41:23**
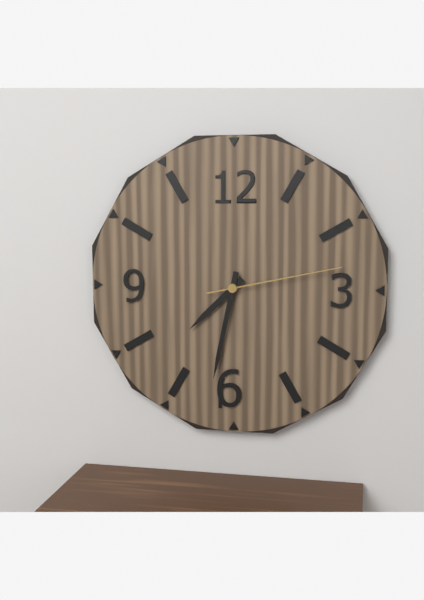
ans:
**7:32:13**
